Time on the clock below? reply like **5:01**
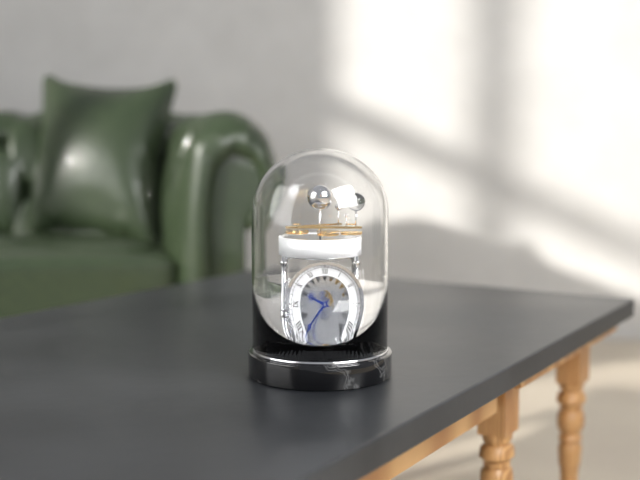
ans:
**9:38**
